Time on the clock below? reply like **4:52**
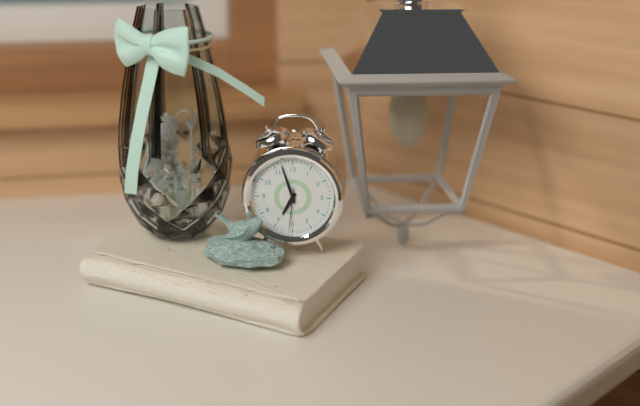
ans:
**6:57**
